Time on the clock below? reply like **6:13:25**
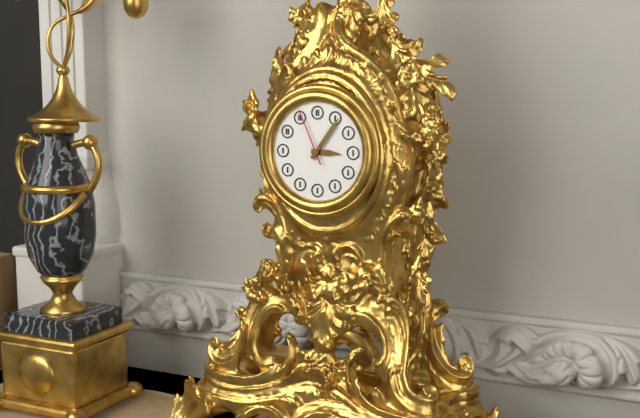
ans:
**3:06:56**
